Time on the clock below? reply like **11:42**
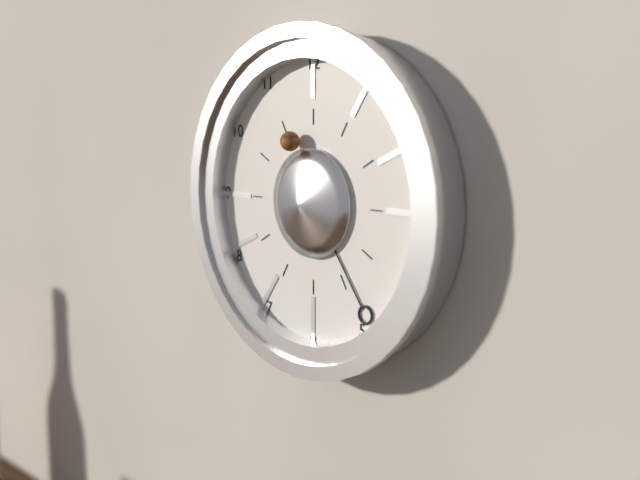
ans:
**11:24**
